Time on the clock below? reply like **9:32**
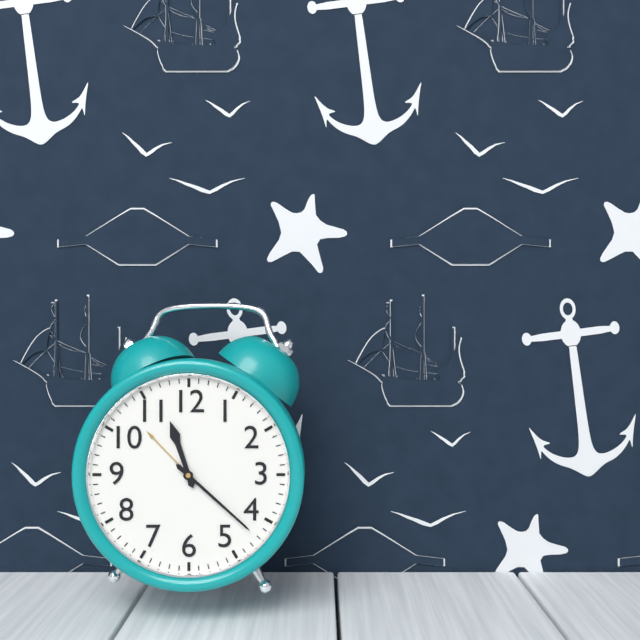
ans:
**11:22**
